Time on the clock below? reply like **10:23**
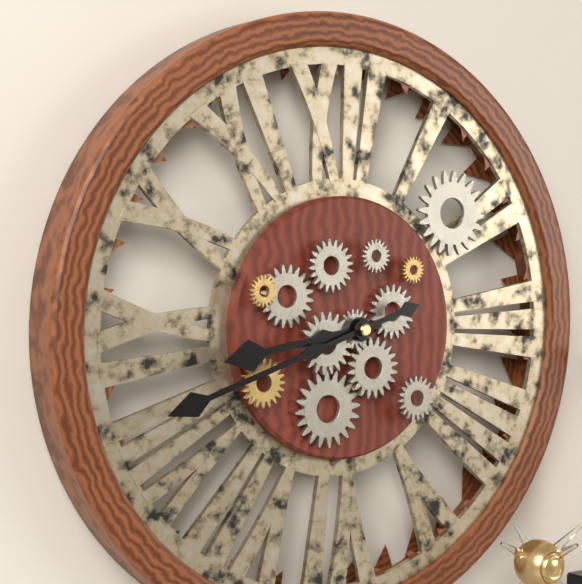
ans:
**8:42**
